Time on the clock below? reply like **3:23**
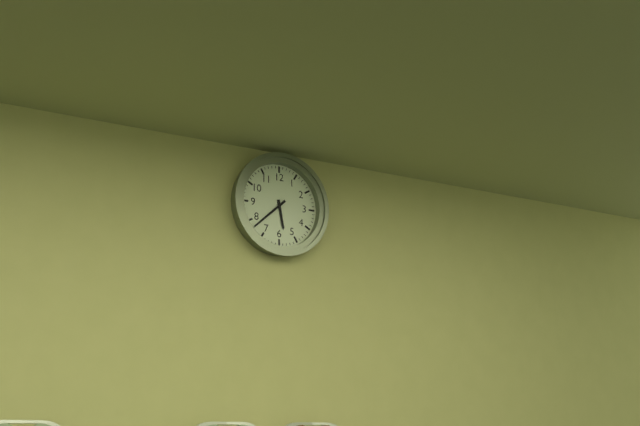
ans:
**5:38**
